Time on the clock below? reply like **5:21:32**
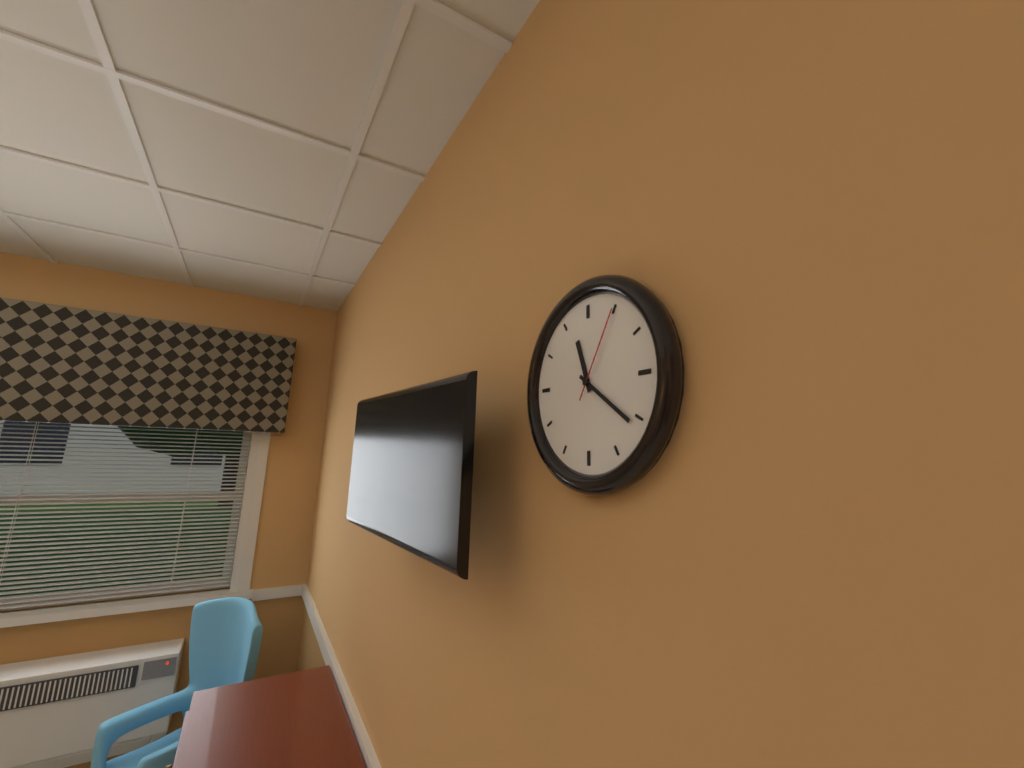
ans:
**11:21:05**
